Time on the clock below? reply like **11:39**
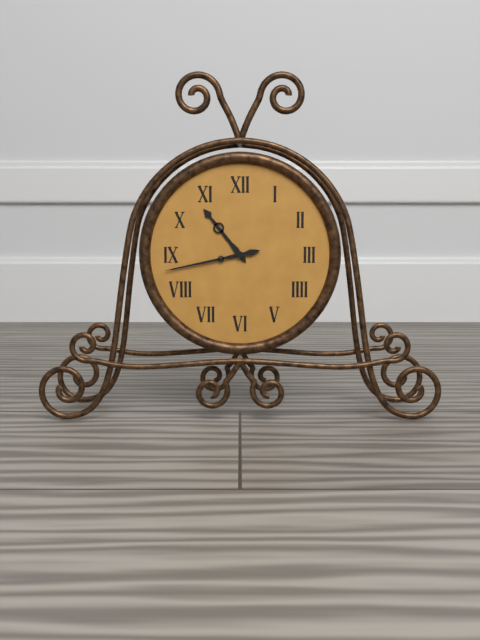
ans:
**10:43**
